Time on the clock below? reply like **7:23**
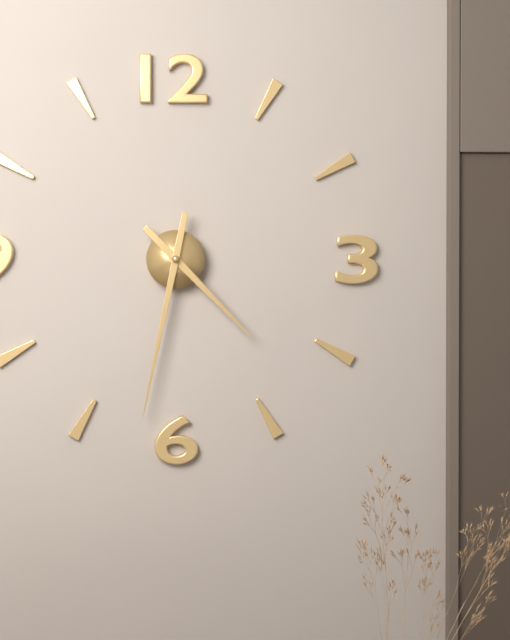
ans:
**4:32**
